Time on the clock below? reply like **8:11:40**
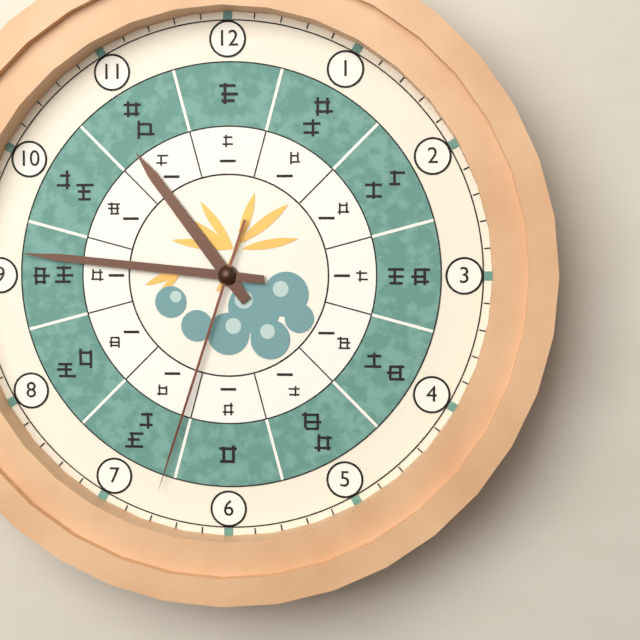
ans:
**10:46:33**
